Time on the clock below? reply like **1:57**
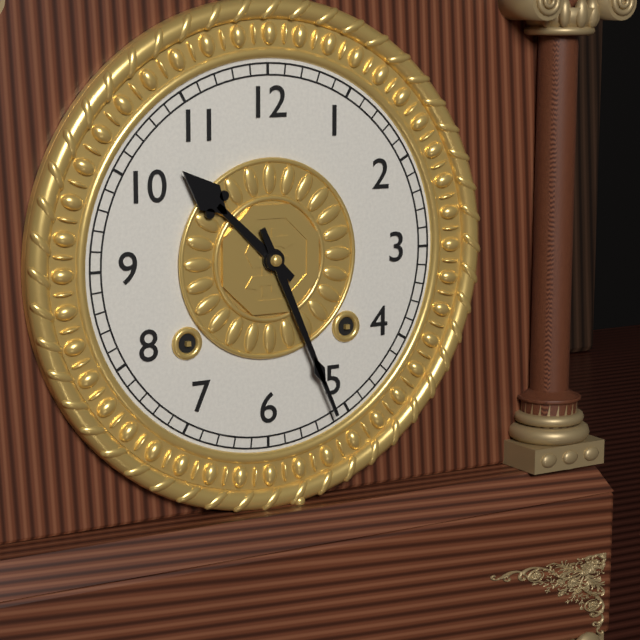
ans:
**10:26**
